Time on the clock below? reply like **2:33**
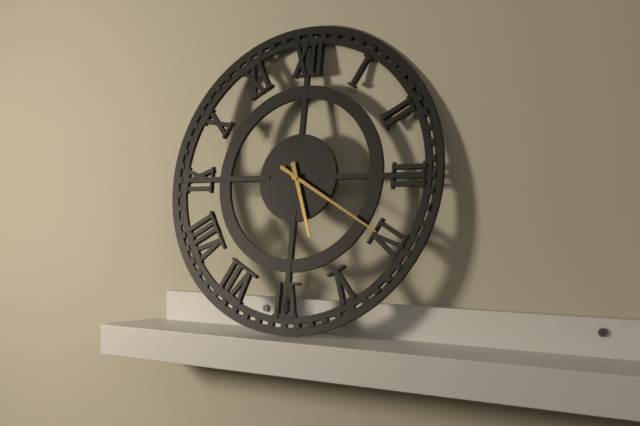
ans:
**5:20**
